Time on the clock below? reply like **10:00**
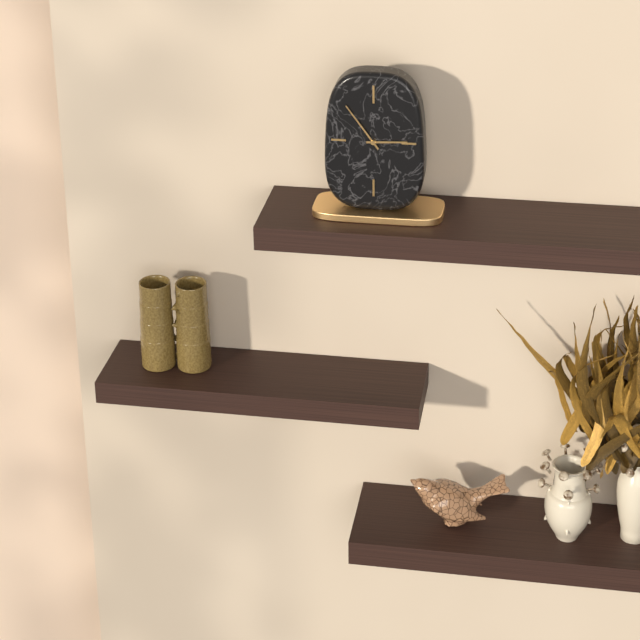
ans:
**2:54**
